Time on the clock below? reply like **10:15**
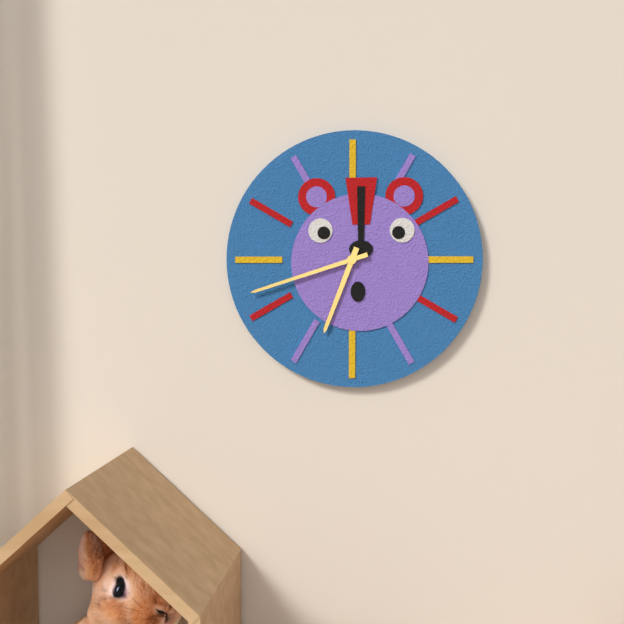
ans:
**6:42**
